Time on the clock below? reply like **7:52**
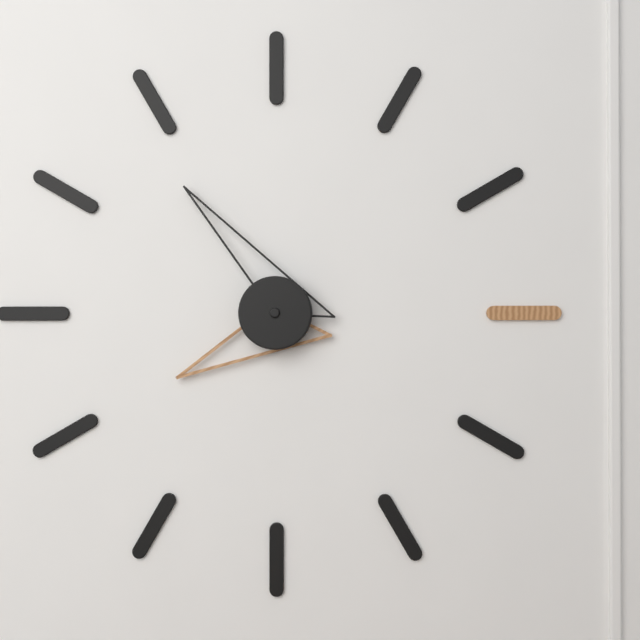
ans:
**7:54**
